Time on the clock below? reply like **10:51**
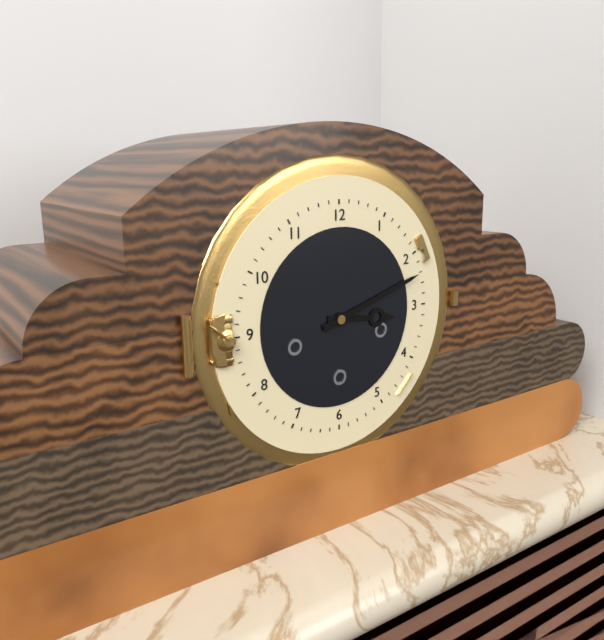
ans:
**3:12**
